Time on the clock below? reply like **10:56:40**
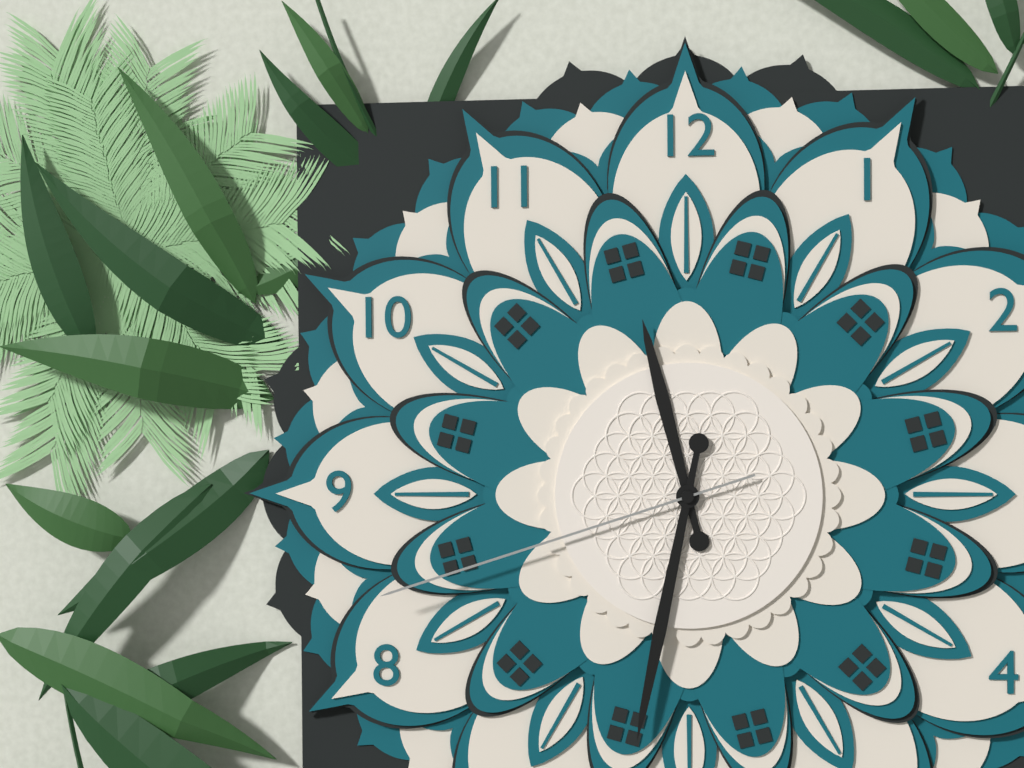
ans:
**11:32:42**
